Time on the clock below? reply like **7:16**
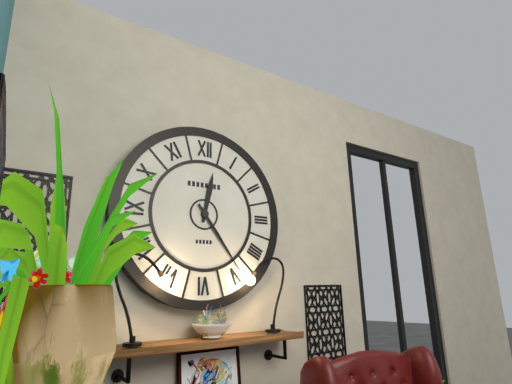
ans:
**12:24**
